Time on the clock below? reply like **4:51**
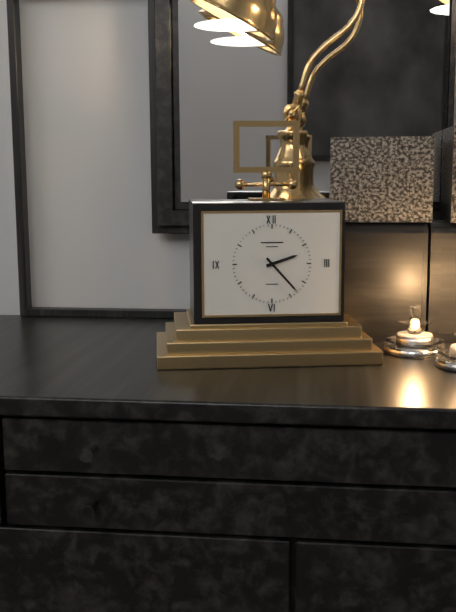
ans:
**2:23**
